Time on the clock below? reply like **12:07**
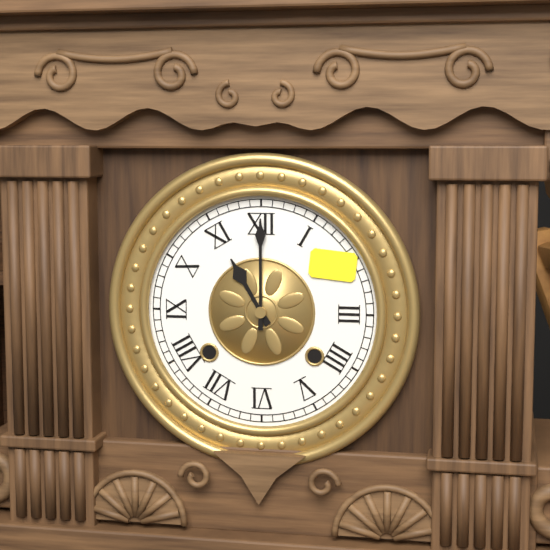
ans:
**11:00**
